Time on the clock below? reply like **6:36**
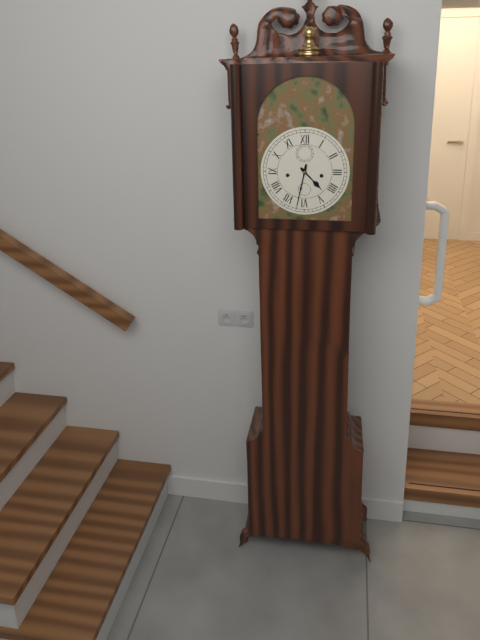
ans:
**4:32**
